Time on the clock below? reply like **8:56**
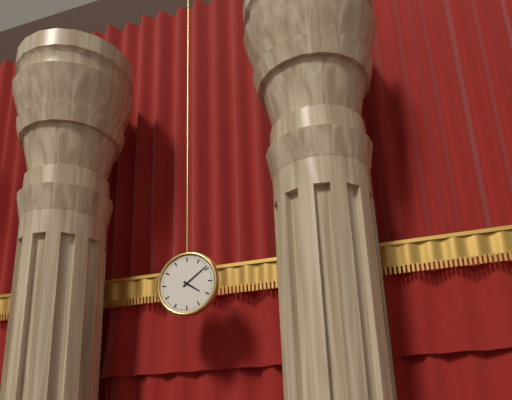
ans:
**4:09**
